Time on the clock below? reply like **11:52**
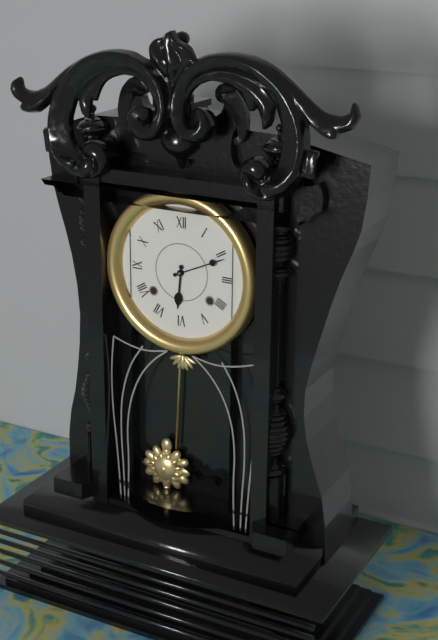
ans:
**6:11**
